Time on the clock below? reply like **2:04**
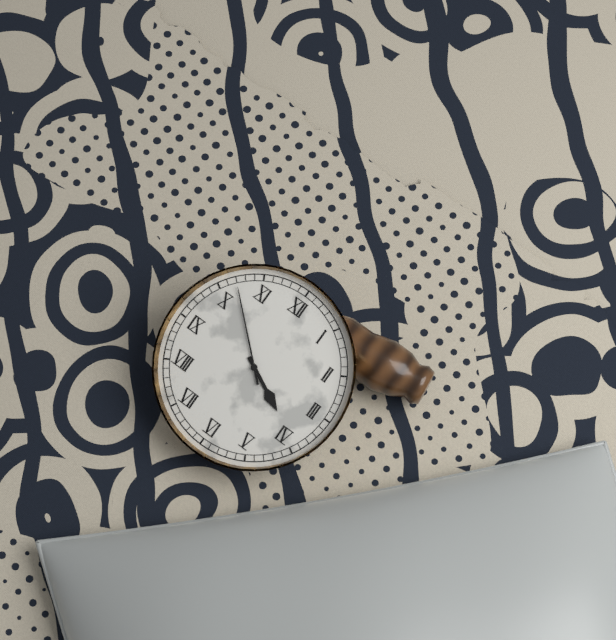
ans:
**3:52**
